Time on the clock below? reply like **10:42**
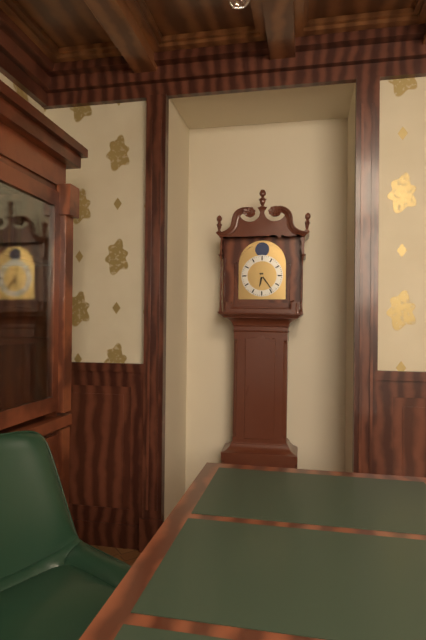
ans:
**6:24**
